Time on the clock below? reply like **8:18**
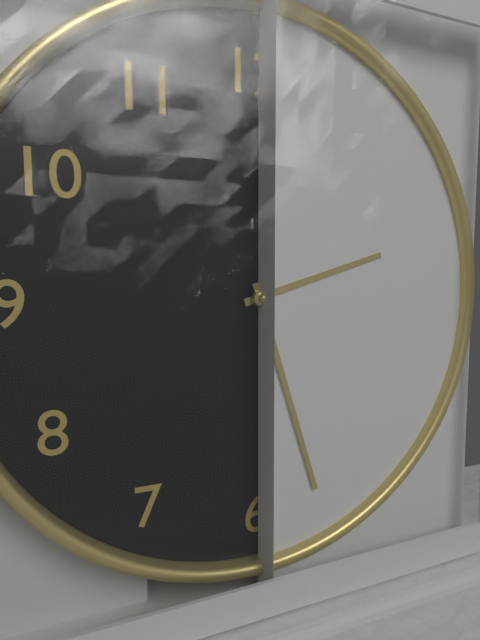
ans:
**2:27**
